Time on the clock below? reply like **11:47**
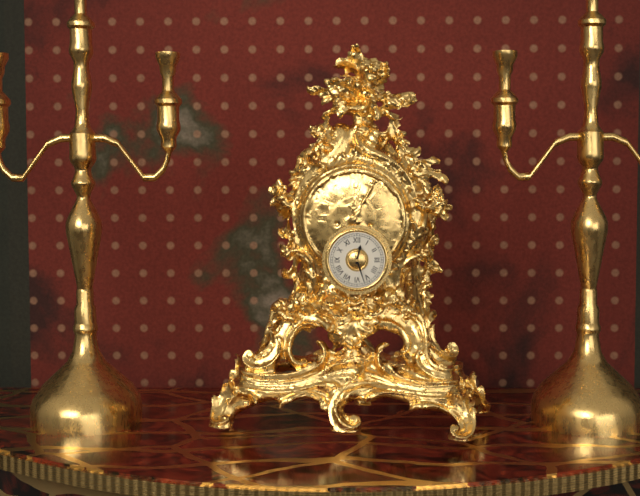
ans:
**12:27**
